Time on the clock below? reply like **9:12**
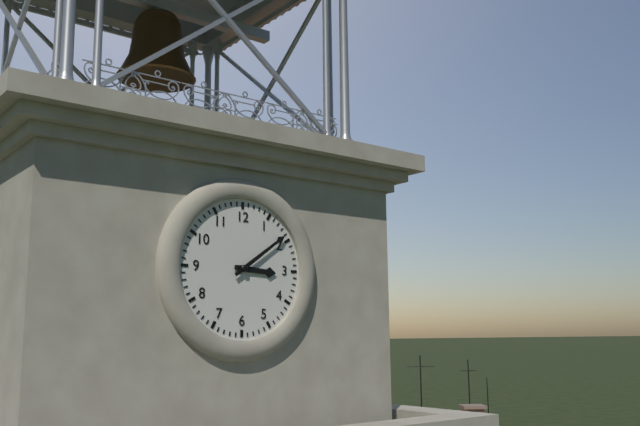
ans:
**3:09**
